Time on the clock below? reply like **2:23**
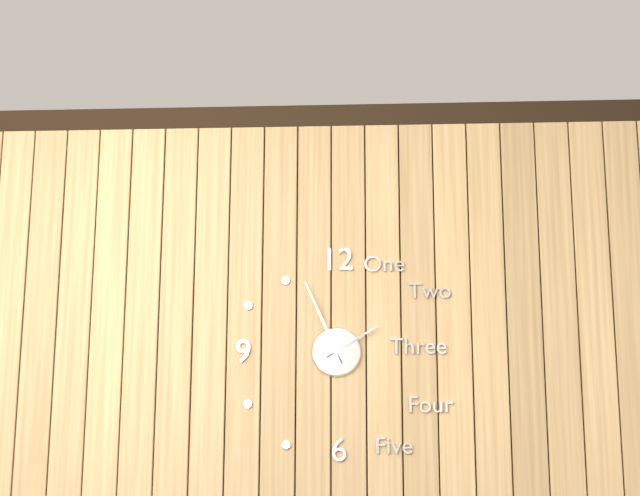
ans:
**1:56**
